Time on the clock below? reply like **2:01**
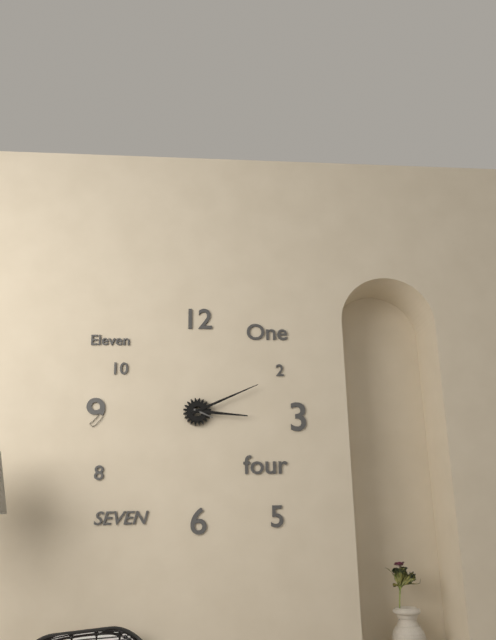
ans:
**3:11**
